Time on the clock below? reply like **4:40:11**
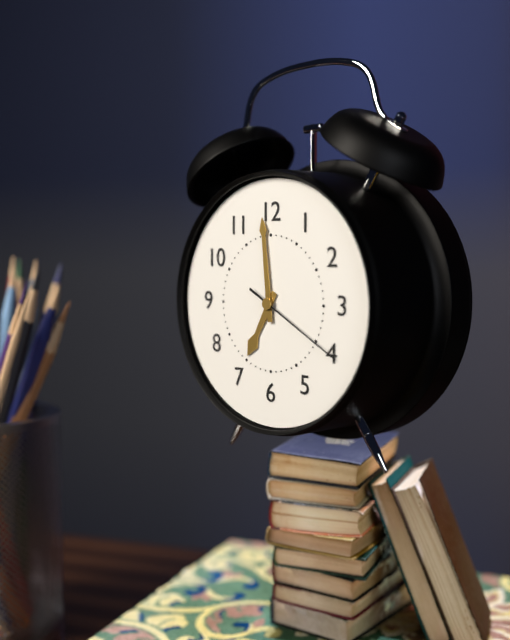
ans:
**6:59:20**
